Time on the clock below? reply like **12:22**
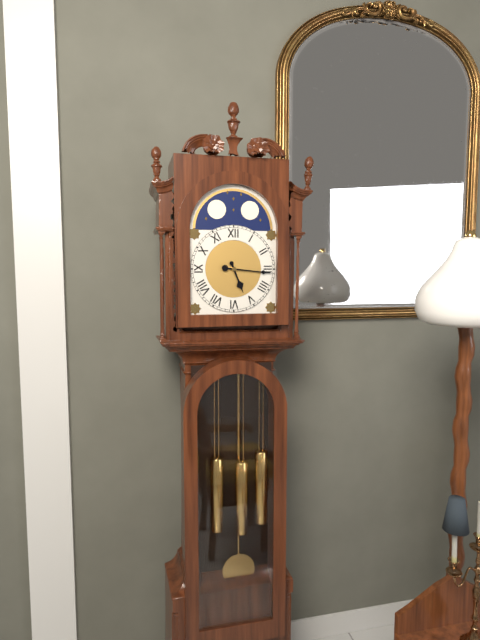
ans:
**5:16**
